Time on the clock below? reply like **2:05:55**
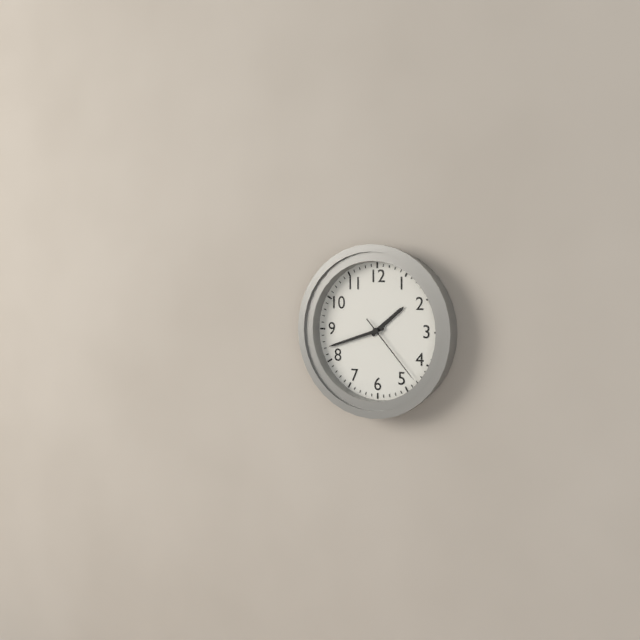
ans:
**1:42:23**
